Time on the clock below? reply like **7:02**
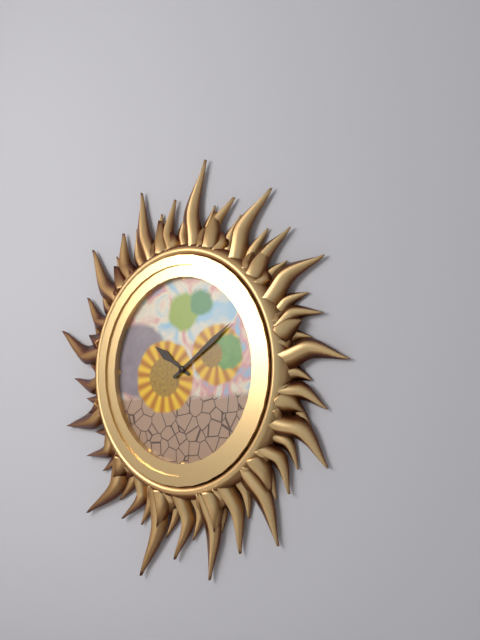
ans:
**10:09**
